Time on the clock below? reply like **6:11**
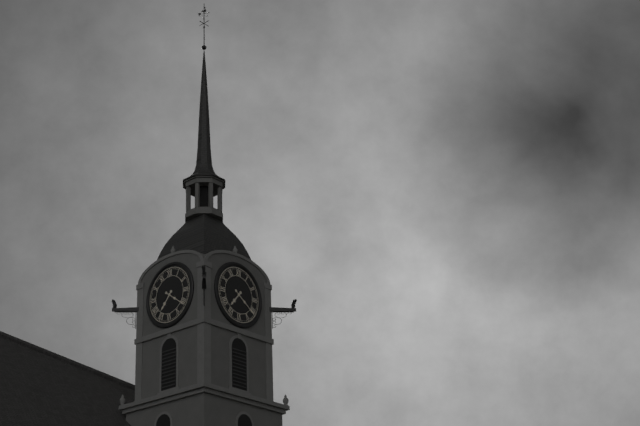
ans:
**7:21**
